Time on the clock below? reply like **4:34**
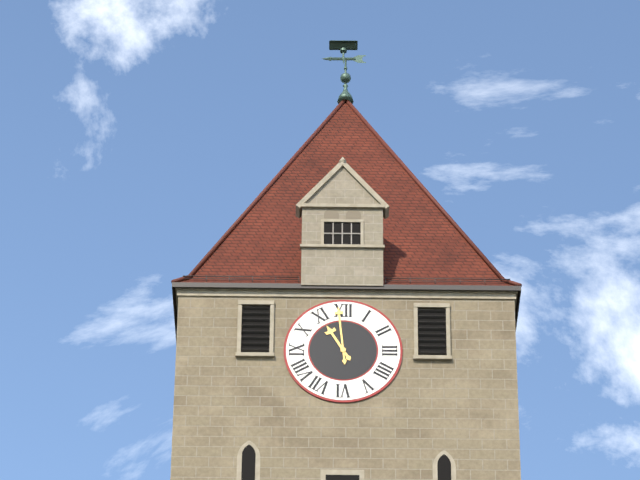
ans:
**10:59**
